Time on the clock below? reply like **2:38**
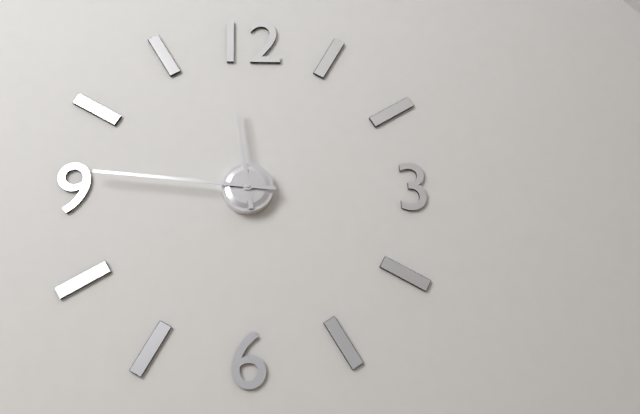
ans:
**11:46**
